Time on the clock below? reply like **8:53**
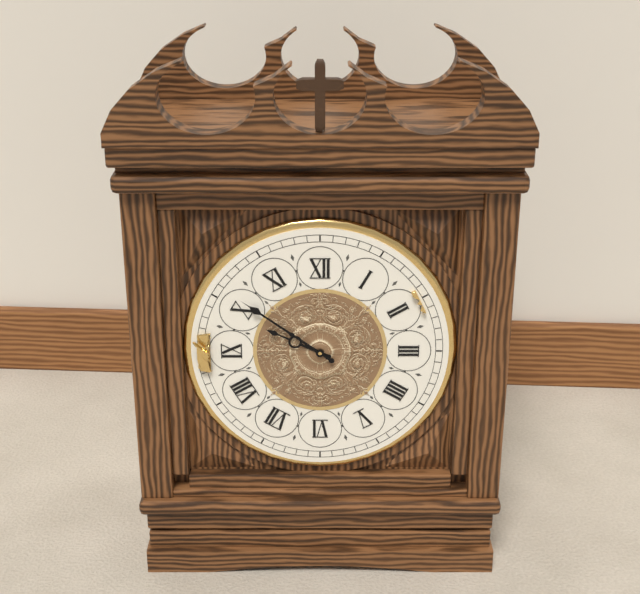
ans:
**9:51**
